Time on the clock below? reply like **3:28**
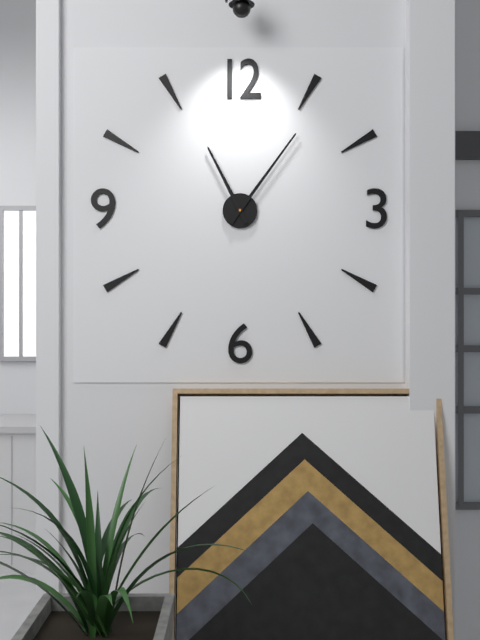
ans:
**11:06**
